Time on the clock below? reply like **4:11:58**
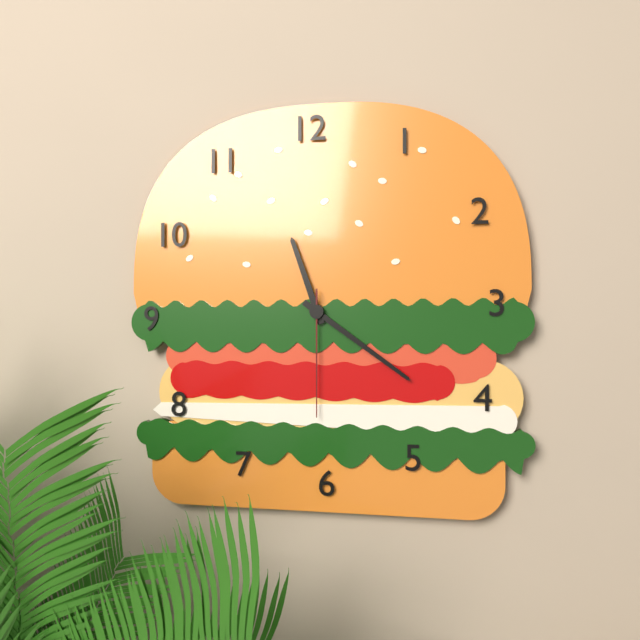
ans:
**11:21:30**
